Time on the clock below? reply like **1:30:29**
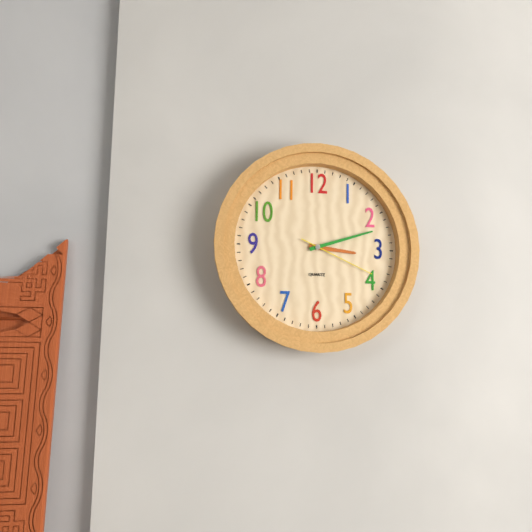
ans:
**3:12:19**
